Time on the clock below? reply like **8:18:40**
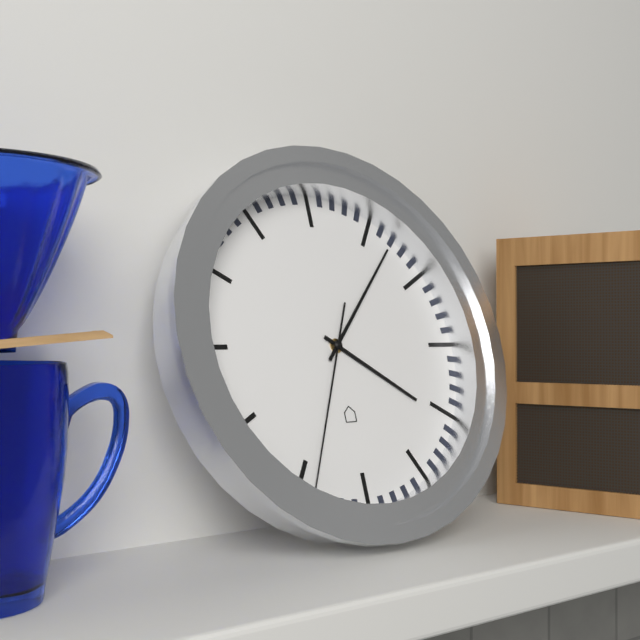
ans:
**4:07:34**
